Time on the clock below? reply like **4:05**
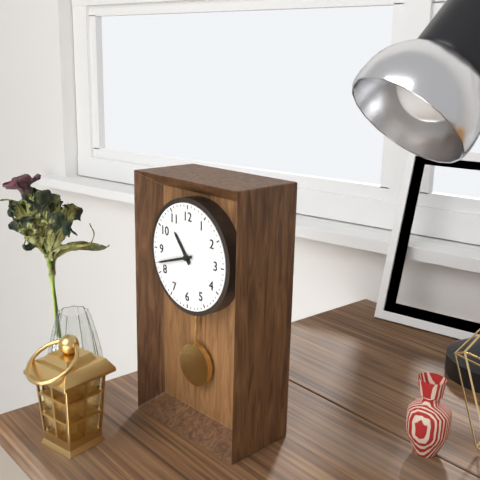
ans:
**10:42**
